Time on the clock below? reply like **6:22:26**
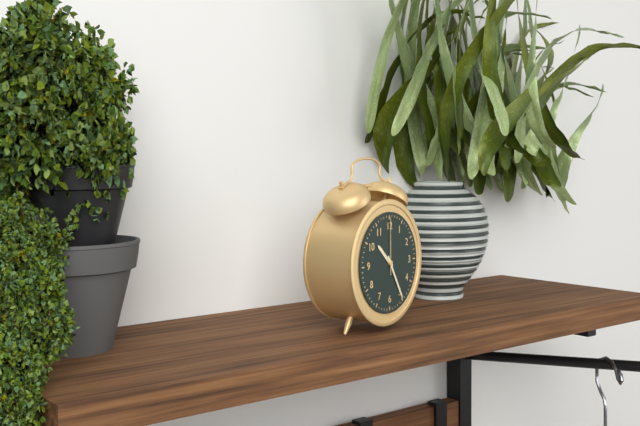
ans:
**10:25:00**
